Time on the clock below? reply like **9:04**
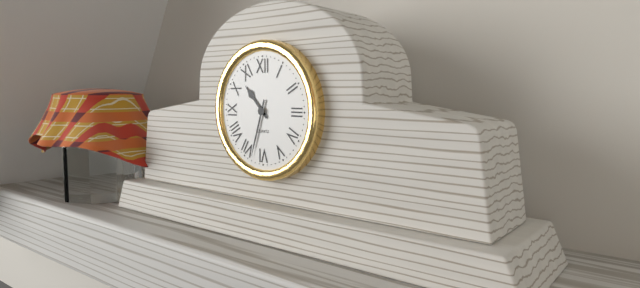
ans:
**10:33**
